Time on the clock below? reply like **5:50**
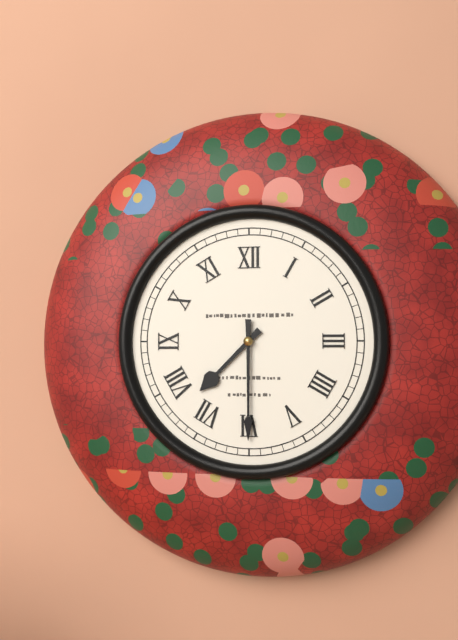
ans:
**7:30**
